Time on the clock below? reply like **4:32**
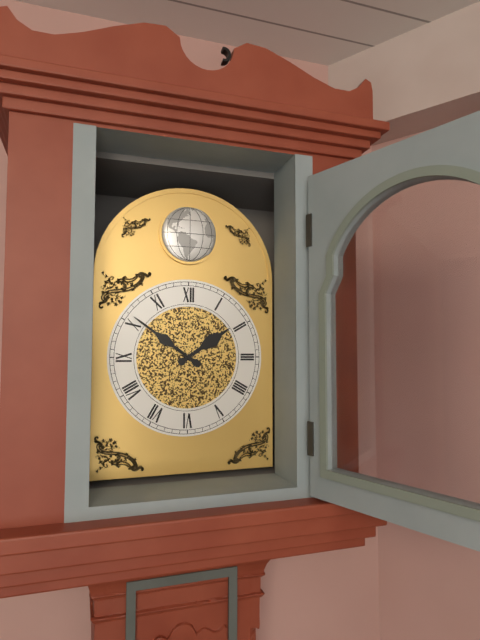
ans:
**1:51**
